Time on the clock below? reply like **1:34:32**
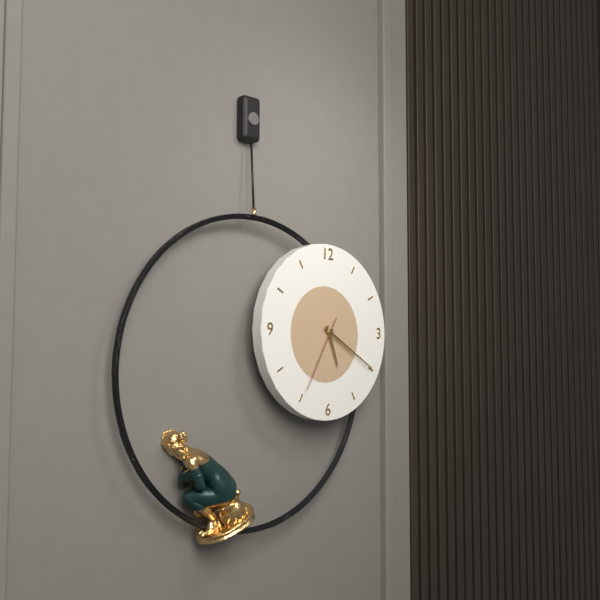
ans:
**5:20:35**
